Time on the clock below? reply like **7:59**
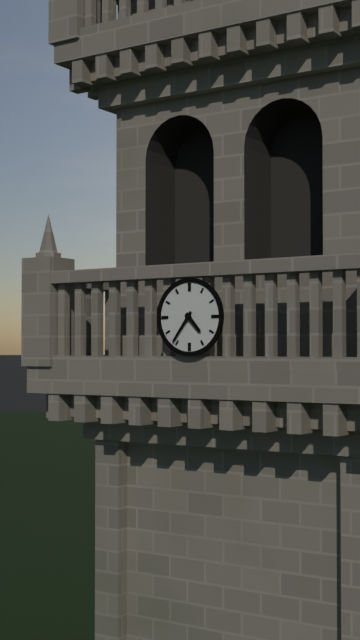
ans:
**4:36**
